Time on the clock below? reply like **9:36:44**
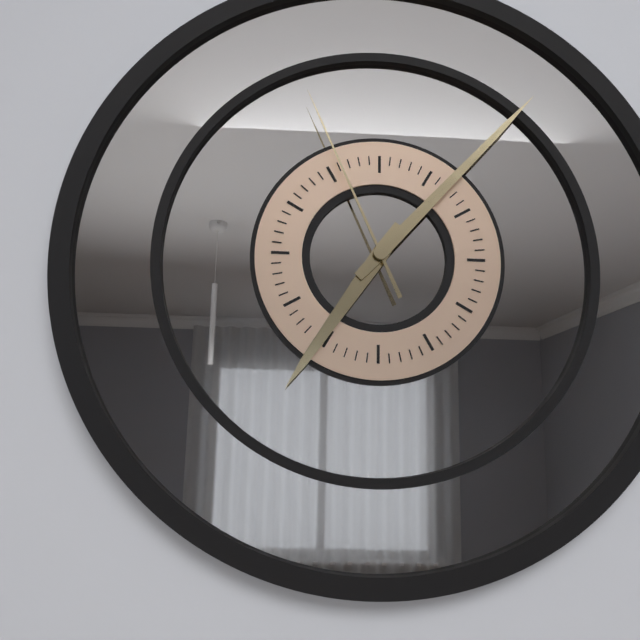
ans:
**7:07:56**
